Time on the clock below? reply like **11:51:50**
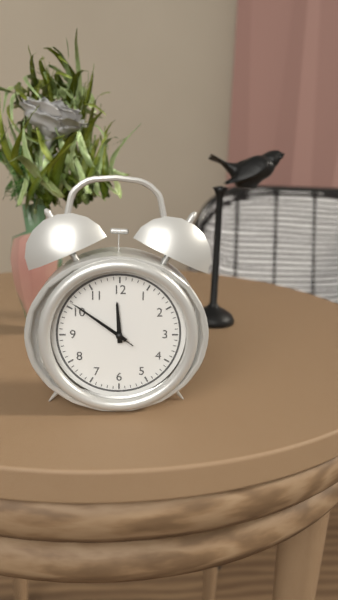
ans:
**11:51:51**
